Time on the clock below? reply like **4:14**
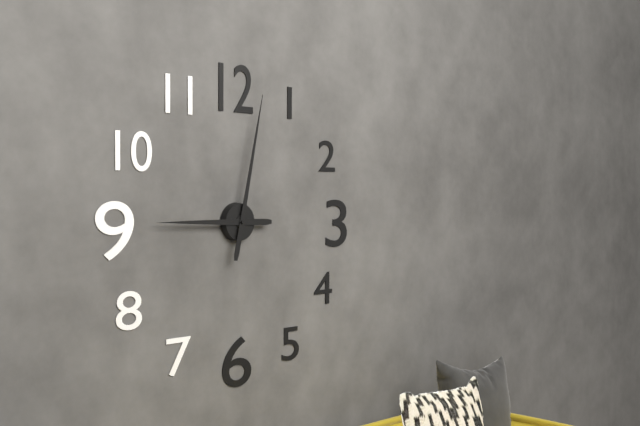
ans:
**9:02**
